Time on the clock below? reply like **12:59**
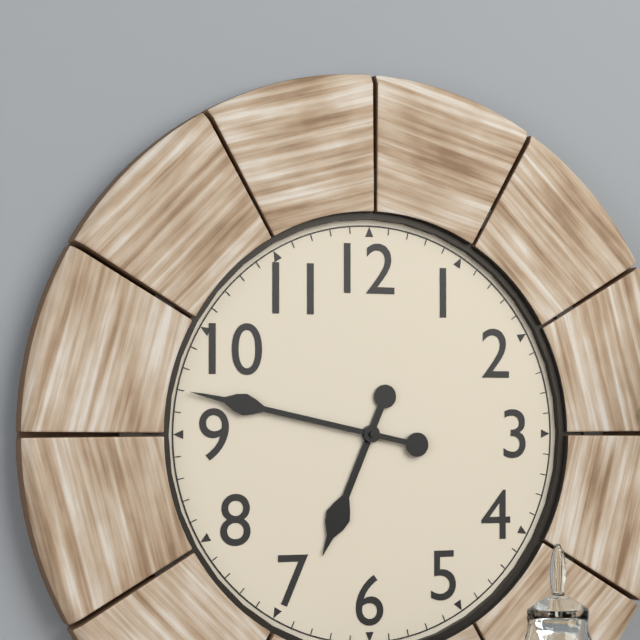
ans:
**6:47**
